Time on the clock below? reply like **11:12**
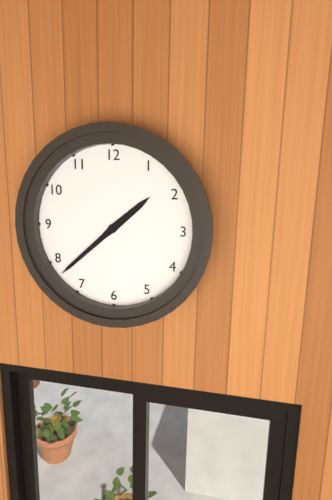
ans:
**1:38**
